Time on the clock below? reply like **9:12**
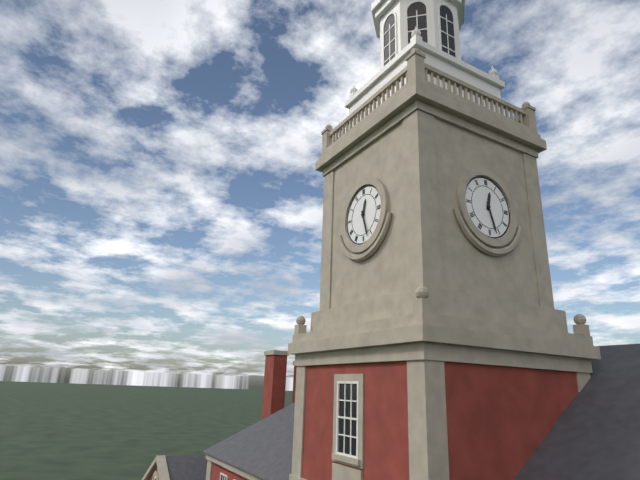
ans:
**12:27**
